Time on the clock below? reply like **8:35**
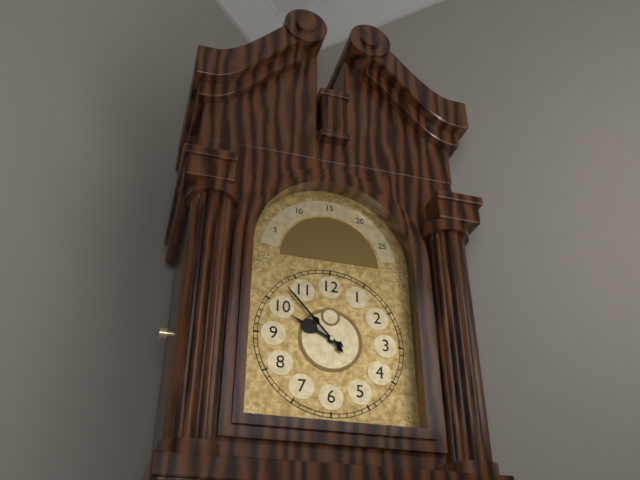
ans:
**9:53**
